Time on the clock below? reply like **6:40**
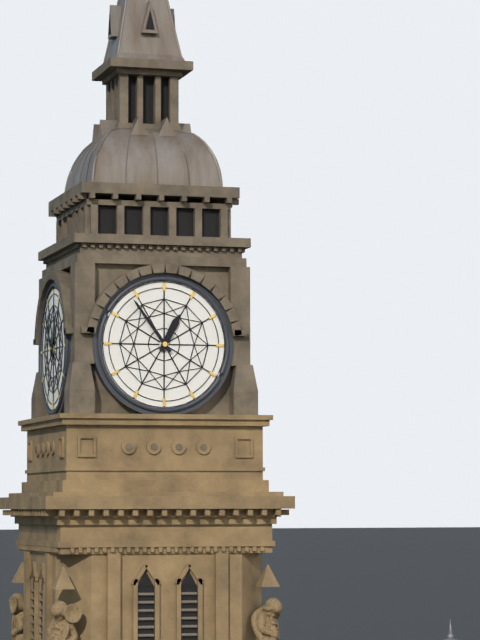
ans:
**12:54**
